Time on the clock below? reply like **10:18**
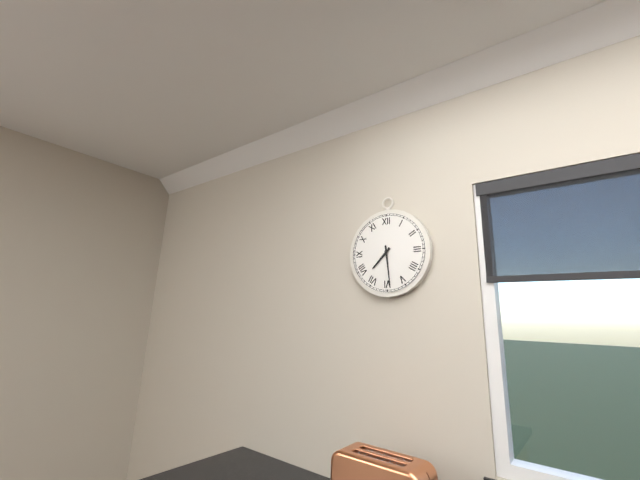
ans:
**7:29**
